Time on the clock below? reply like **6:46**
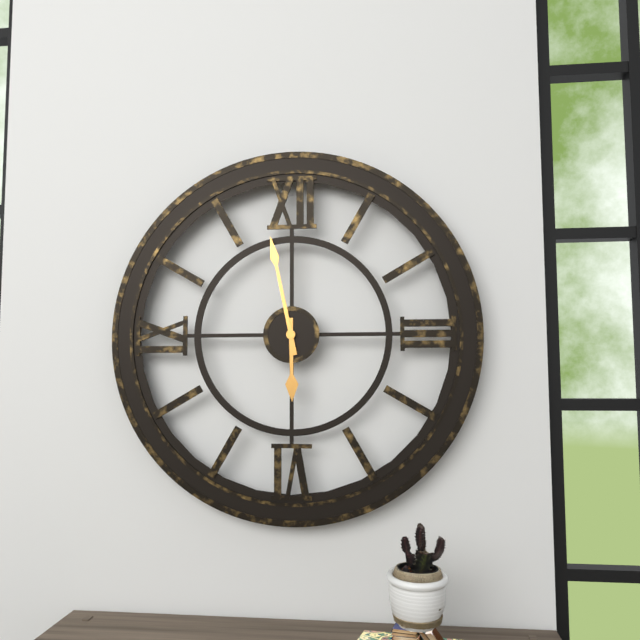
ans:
**5:58**
